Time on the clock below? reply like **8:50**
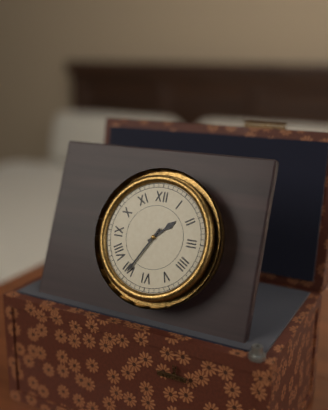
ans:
**1:35**
